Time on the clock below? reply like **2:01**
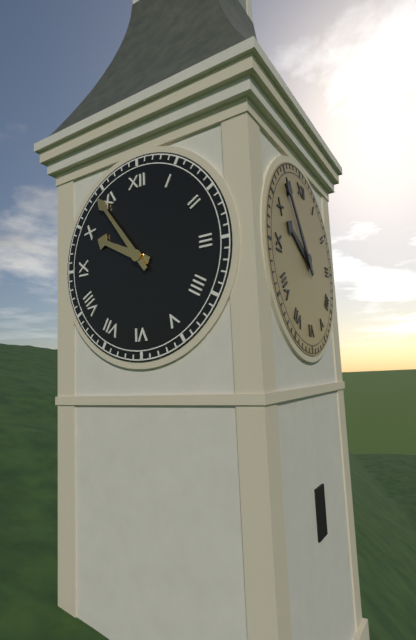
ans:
**9:54**
